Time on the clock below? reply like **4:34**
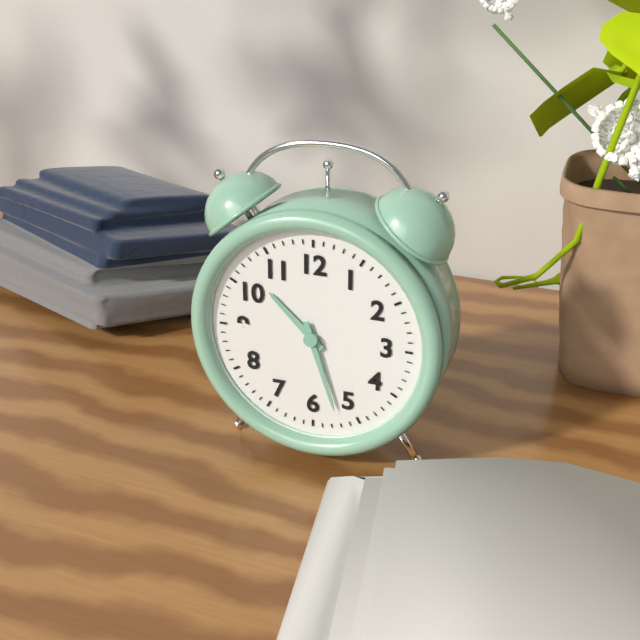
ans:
**10:27**
